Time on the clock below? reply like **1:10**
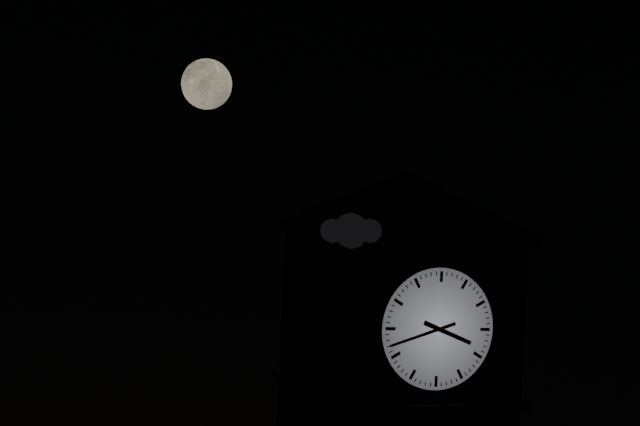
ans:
**3:42**
